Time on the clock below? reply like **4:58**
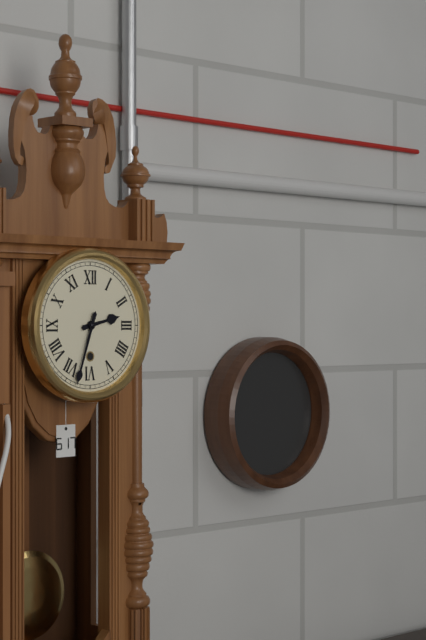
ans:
**2:33**
